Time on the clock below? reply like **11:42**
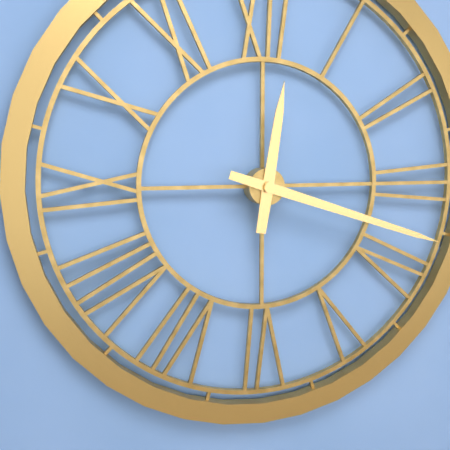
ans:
**12:18**
